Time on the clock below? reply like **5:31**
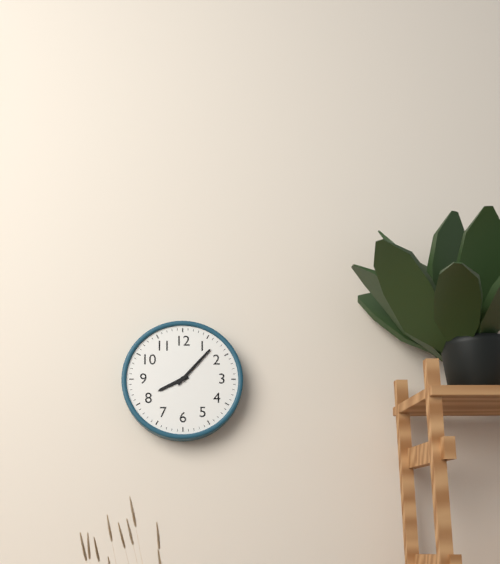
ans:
**8:07**
